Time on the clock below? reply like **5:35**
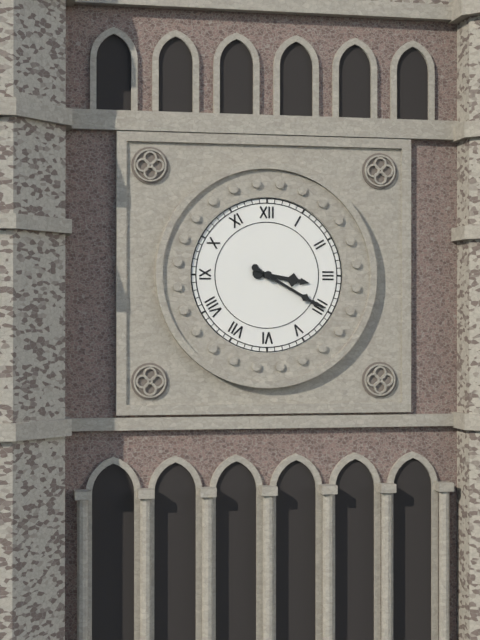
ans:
**3:20**
